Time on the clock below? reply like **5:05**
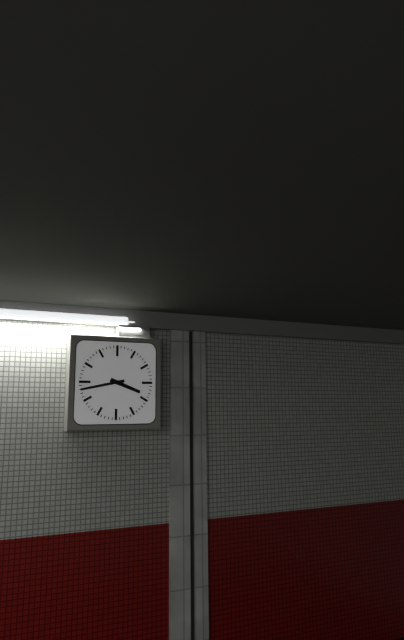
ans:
**3:43**
